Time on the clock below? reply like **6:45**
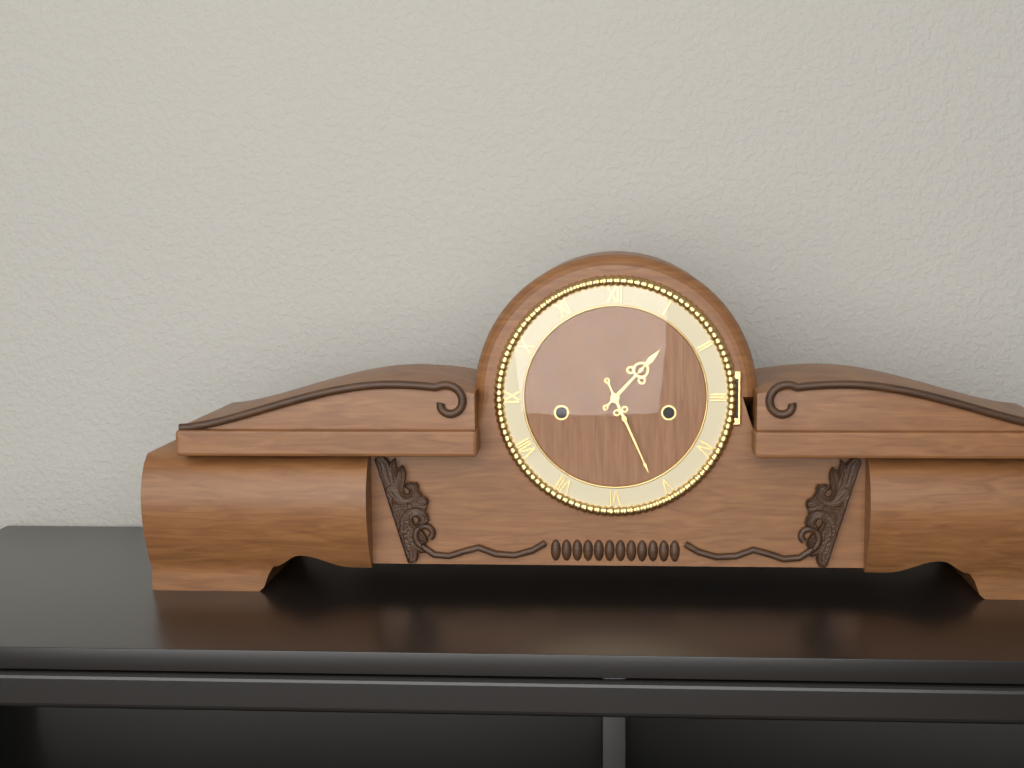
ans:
**1:26**
